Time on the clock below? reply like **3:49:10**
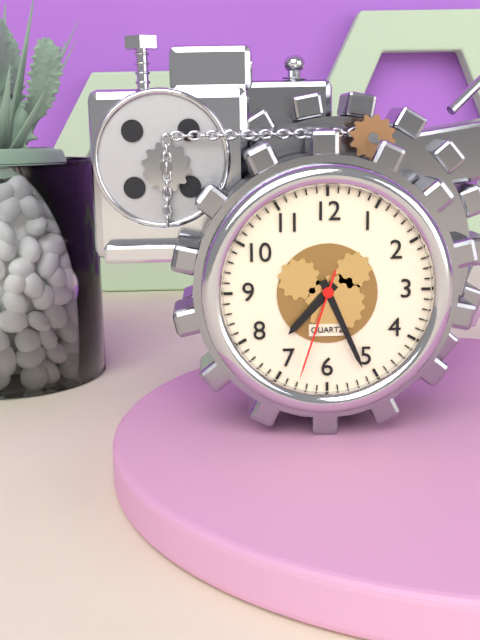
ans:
**7:26:33**
